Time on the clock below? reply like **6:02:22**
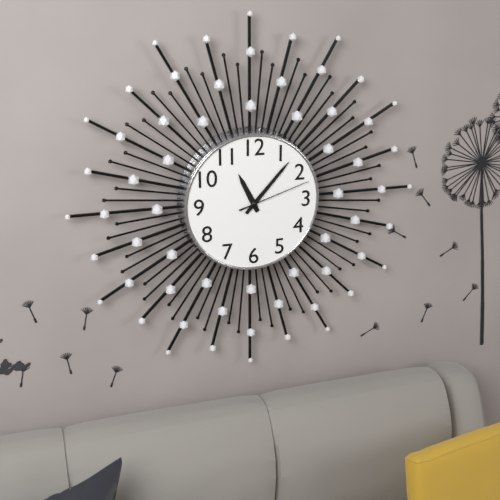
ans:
**11:07:12**
